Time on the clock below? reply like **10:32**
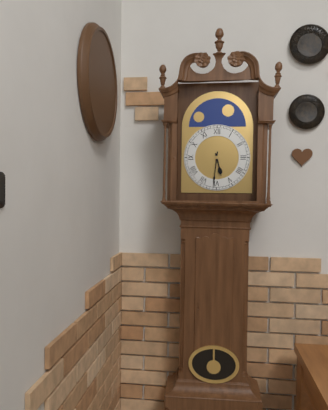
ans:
**5:31**
